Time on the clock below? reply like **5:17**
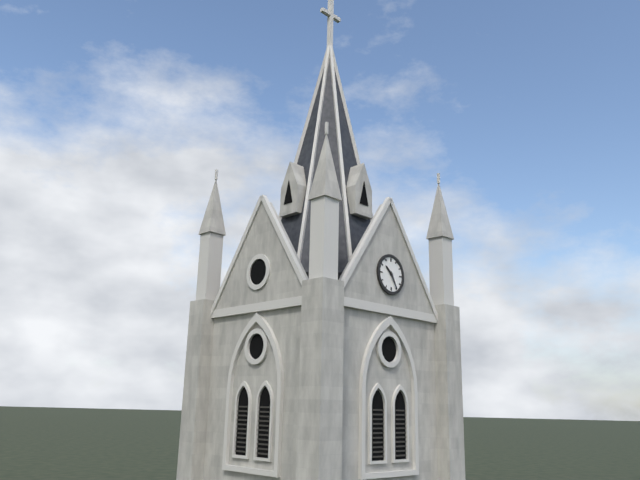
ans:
**10:25**
